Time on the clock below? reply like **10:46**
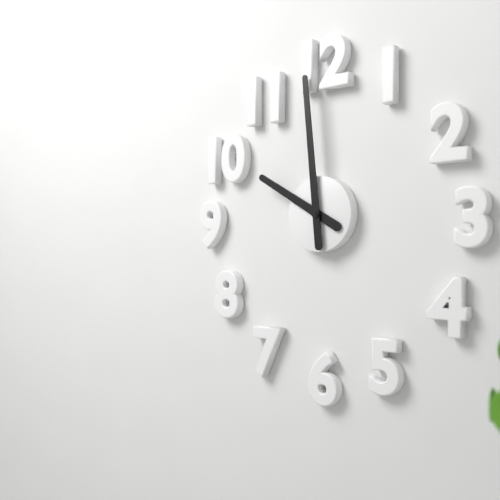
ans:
**9:59**
